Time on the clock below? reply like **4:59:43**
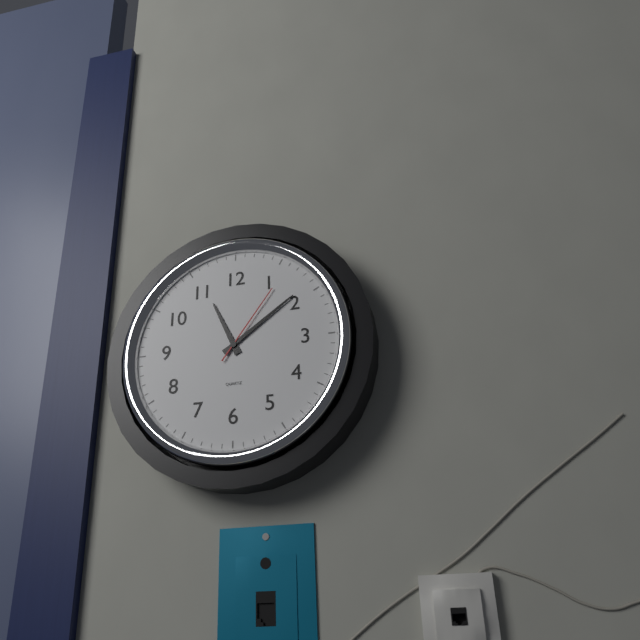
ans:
**11:09:06**
